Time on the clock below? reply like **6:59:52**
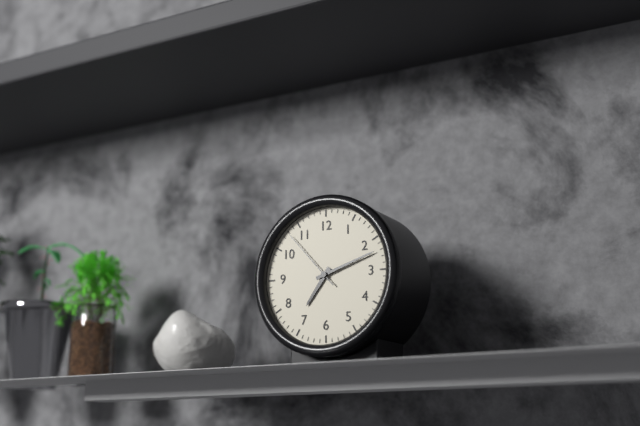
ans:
**7:12:53**
